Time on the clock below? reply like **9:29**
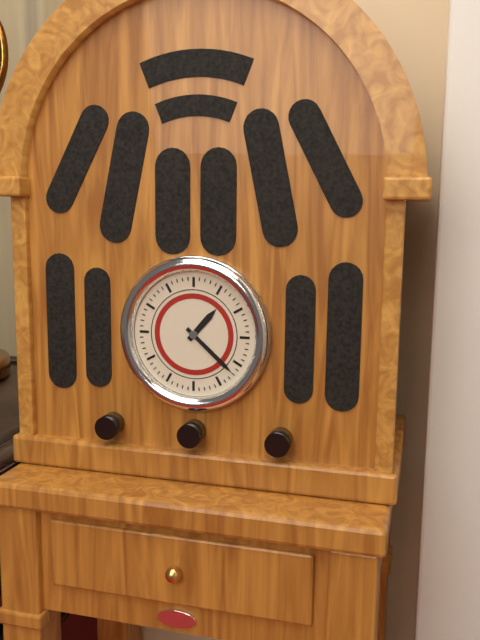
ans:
**1:22**
